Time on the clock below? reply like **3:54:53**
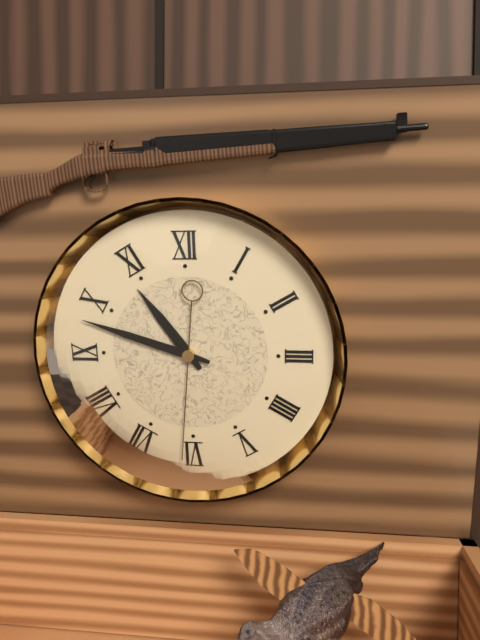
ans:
**10:48:31**
